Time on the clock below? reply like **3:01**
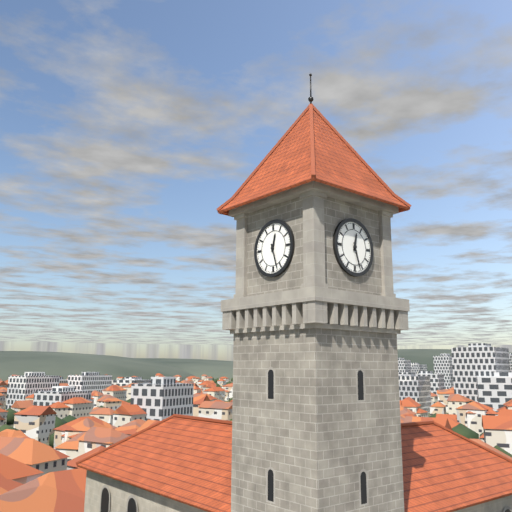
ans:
**12:27**
